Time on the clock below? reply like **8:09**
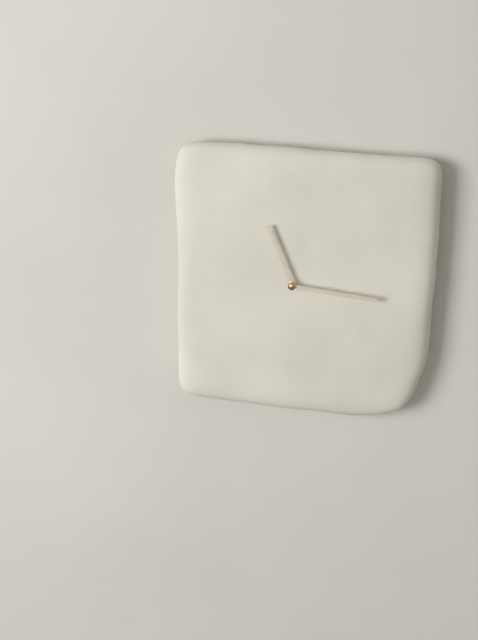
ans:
**11:16**
